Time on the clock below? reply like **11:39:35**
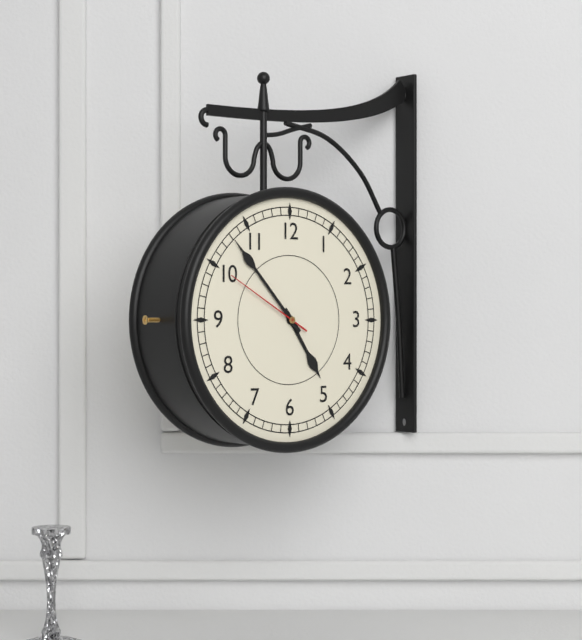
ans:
**4:53:50**
